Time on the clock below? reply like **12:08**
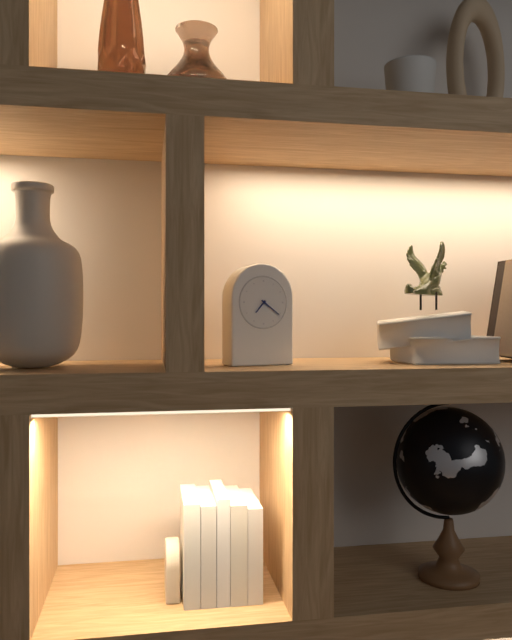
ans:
**7:21**
